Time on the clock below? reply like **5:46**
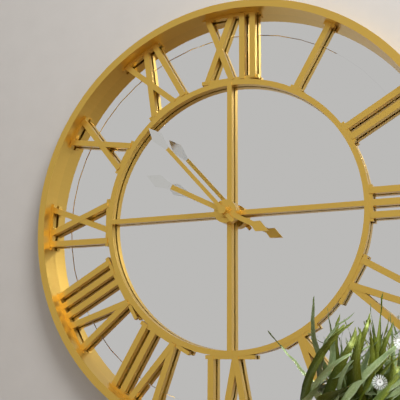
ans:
**9:53**
